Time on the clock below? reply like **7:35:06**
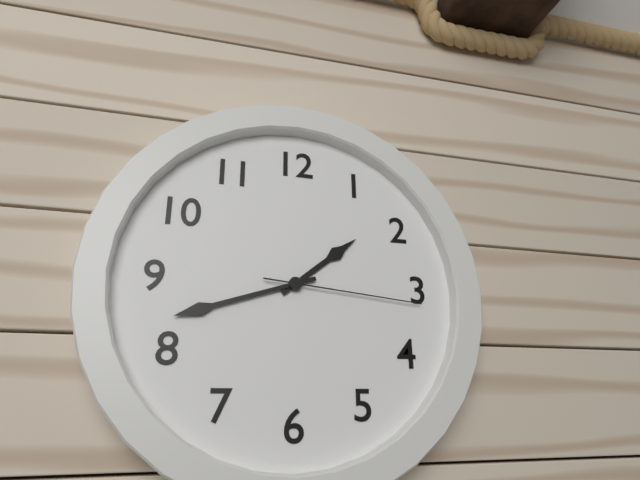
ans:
**1:42:16**
